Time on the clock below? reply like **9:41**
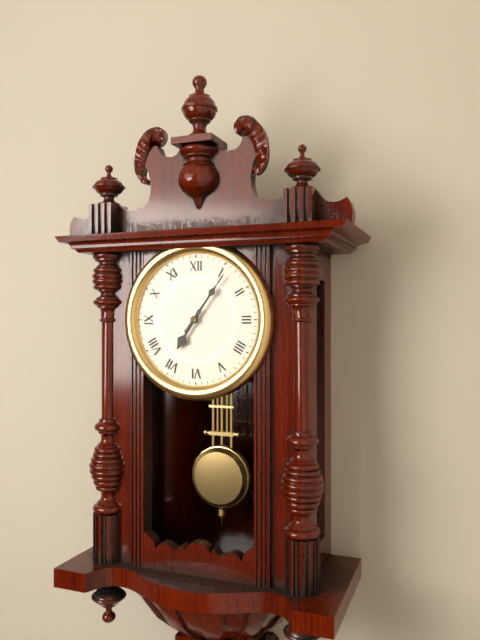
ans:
**7:06**
